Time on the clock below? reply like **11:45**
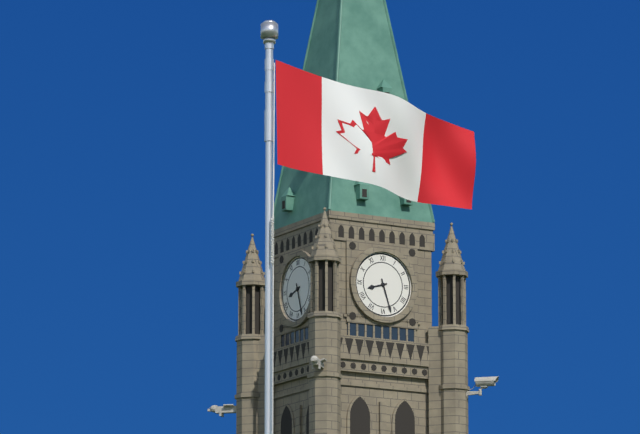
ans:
**8:27**
